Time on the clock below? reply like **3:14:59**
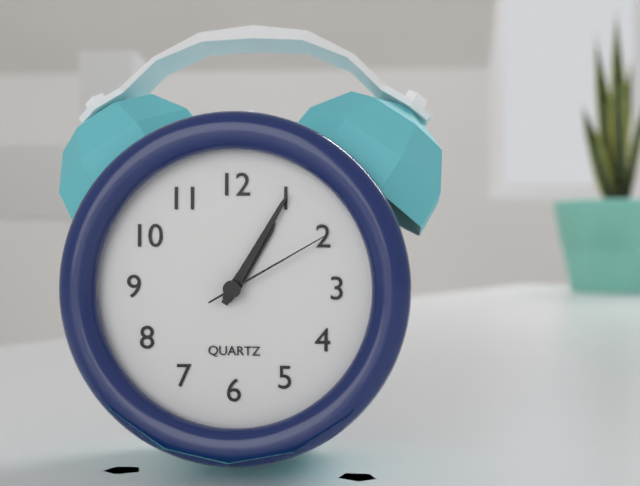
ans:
**1:05:10**
